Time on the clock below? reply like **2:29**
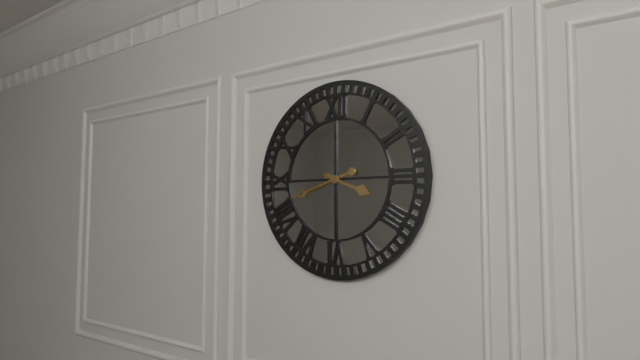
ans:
**3:42**
